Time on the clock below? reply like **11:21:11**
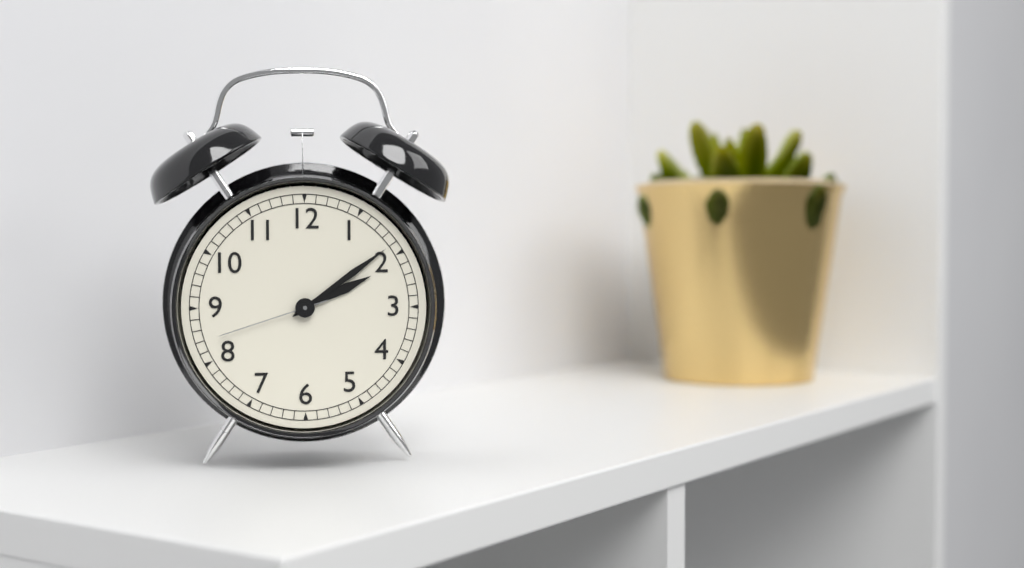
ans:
**2:09:42**
